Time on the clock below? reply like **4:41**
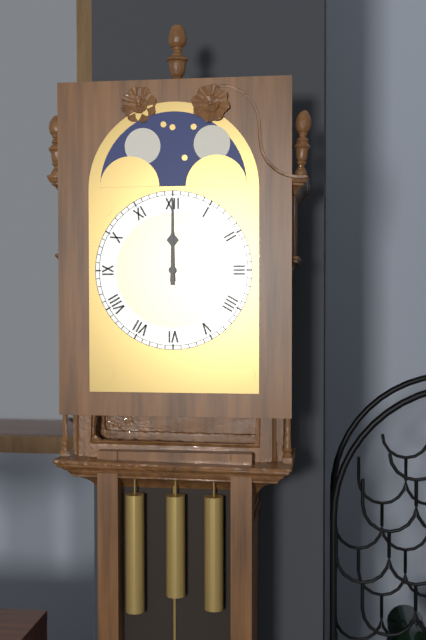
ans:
**12:00**
